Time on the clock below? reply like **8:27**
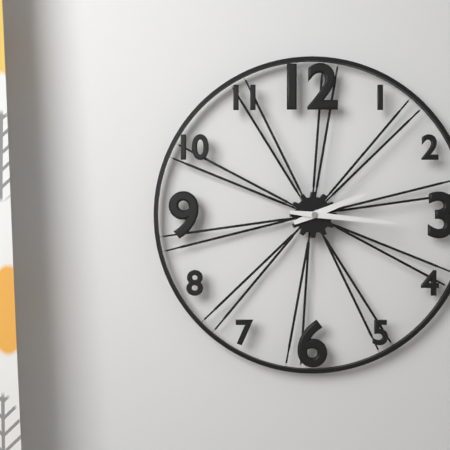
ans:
**2:16**
